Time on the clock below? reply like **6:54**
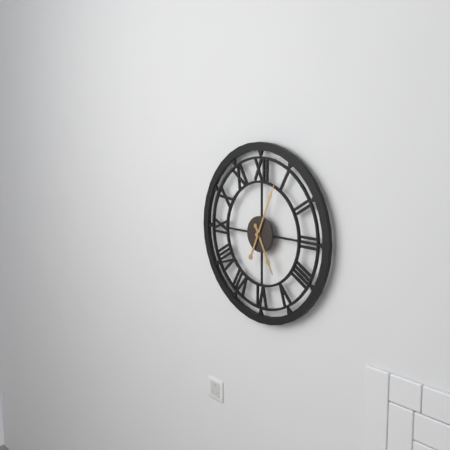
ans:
**5:04**
